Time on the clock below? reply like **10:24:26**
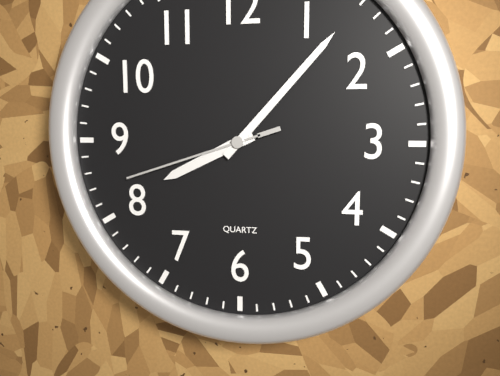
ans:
**8:07:42**
